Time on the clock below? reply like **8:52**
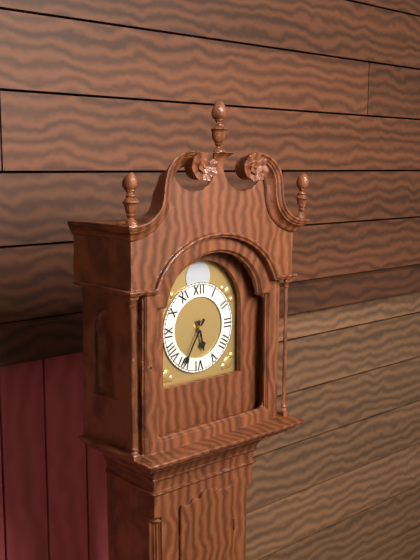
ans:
**5:35**
